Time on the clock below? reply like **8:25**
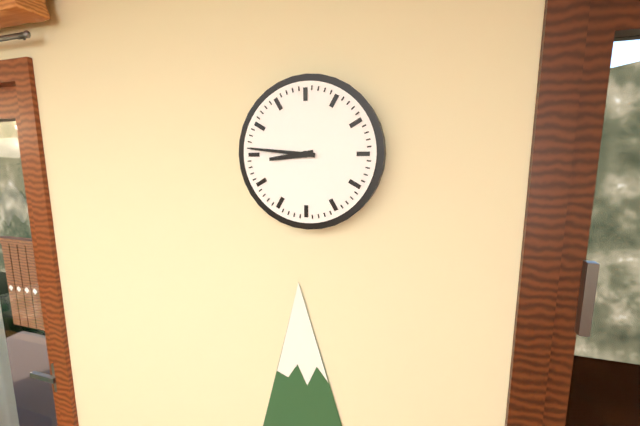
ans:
**8:46**
